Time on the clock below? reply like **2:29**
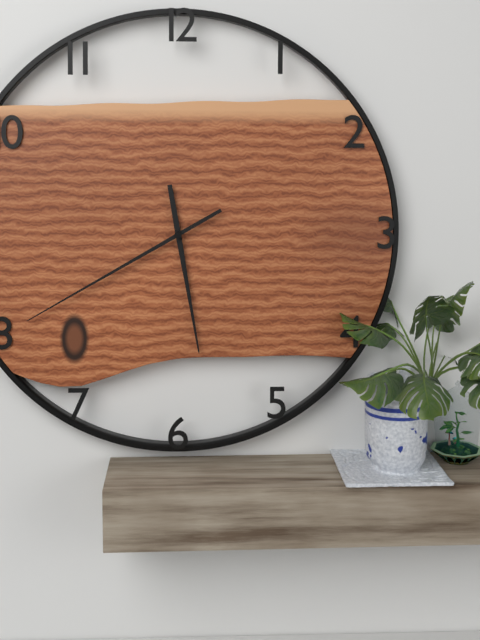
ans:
**5:40**
